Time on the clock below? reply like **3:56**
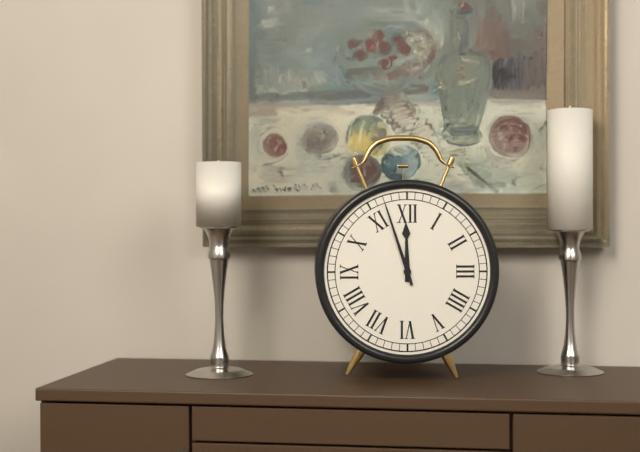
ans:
**11:57**
